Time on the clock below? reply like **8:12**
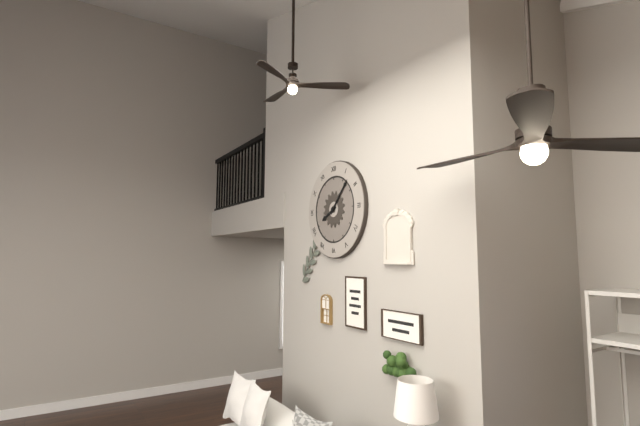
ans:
**8:07**
